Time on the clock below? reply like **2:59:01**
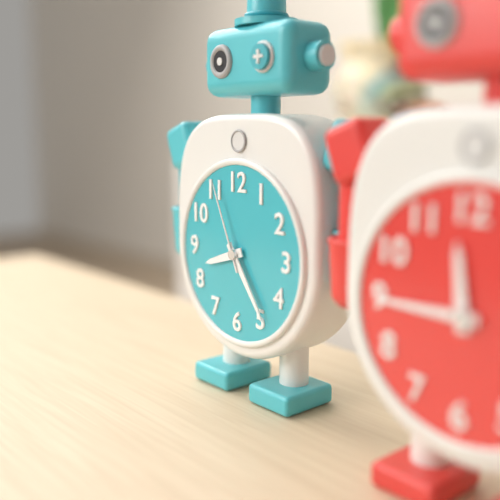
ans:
**8:24:56**
